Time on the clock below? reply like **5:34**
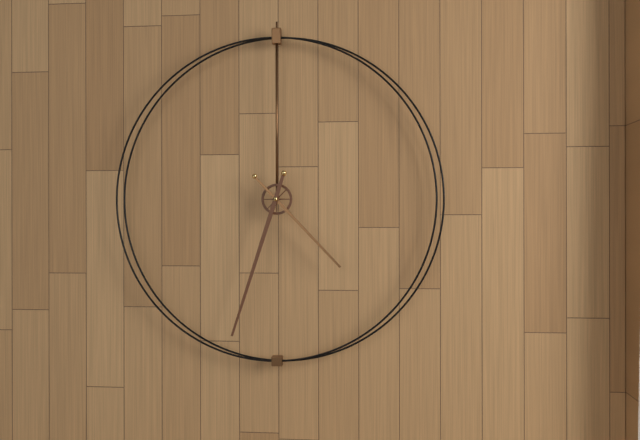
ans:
**4:33**
